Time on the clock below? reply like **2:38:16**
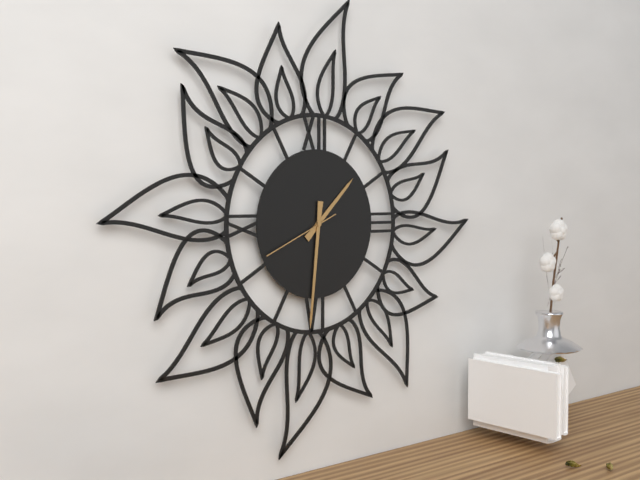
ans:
**1:31:41**
